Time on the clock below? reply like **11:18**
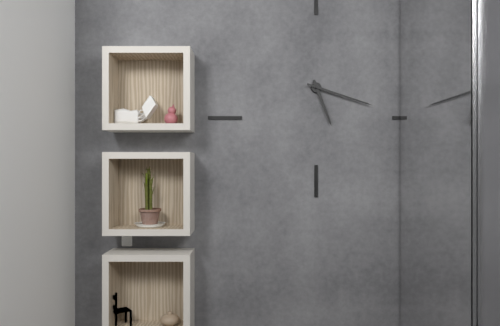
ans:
**5:18**
